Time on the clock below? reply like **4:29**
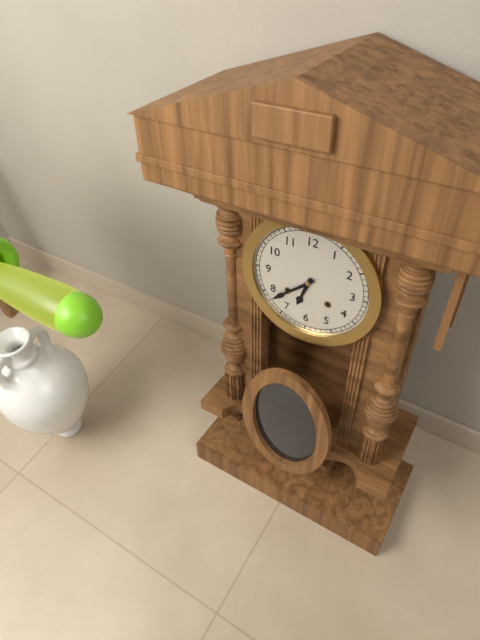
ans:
**6:38**
